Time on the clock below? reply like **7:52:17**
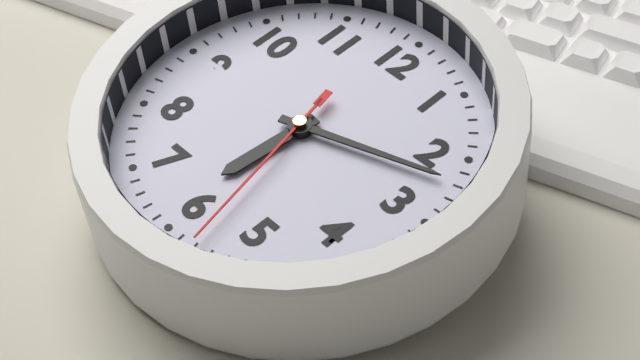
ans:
**6:12:28**
